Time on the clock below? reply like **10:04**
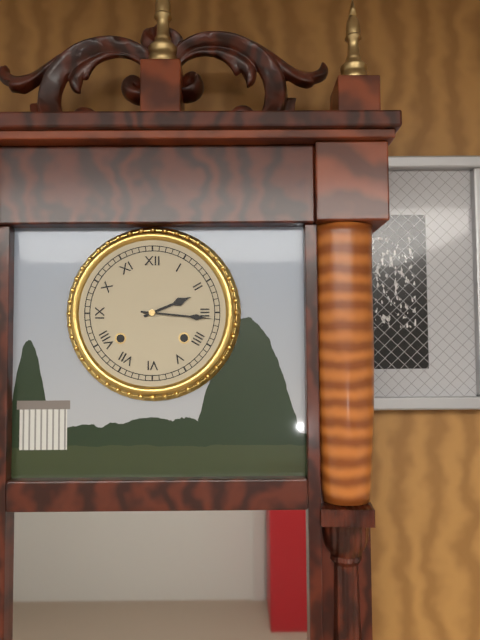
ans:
**2:16**
